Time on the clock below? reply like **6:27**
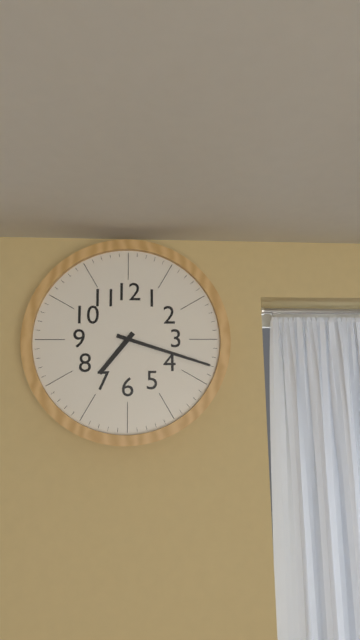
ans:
**7:18**
